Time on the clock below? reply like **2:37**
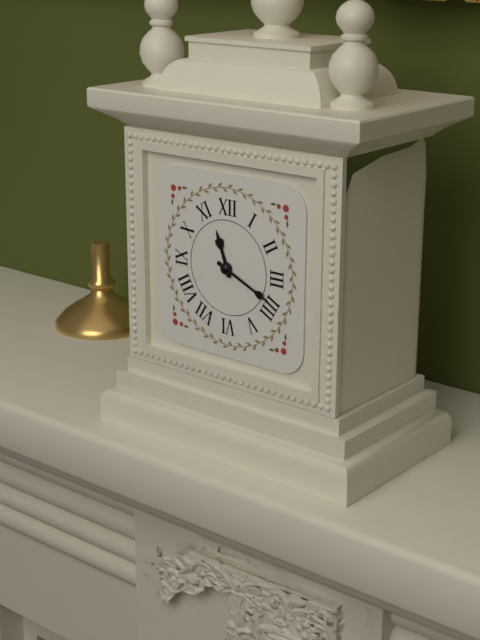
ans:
**11:19**
